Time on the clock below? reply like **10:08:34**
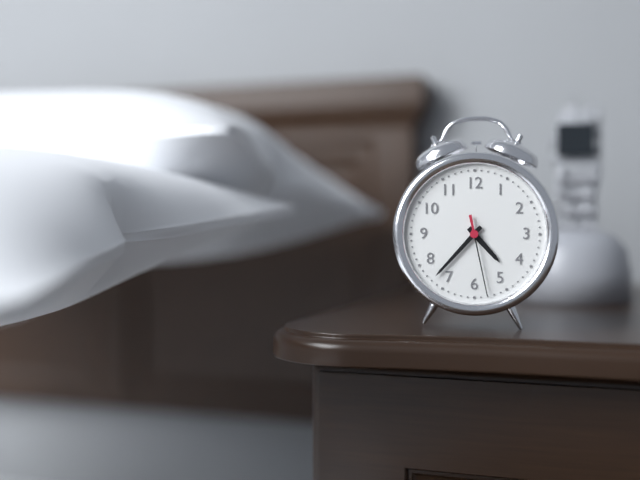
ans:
**4:37:28**
